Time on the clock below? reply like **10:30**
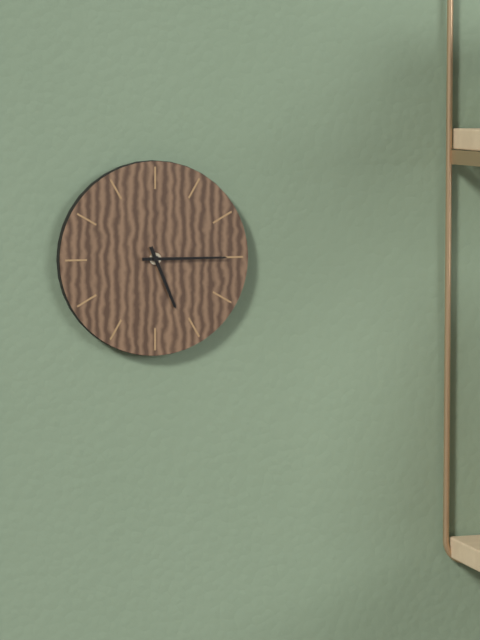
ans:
**5:15**
